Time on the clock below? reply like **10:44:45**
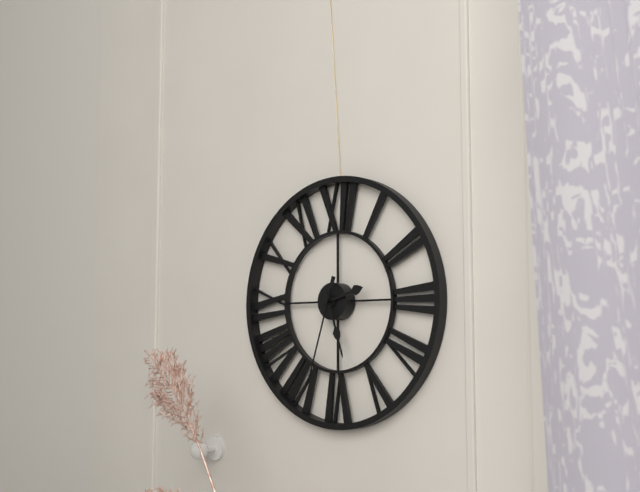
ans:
**2:27:33**
